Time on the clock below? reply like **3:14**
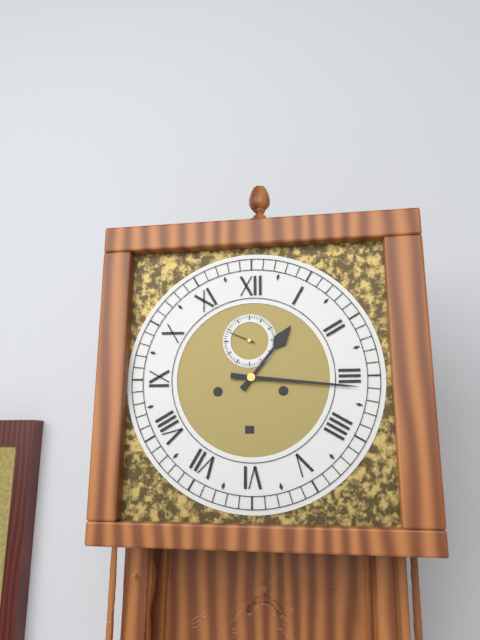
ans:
**1:16**
